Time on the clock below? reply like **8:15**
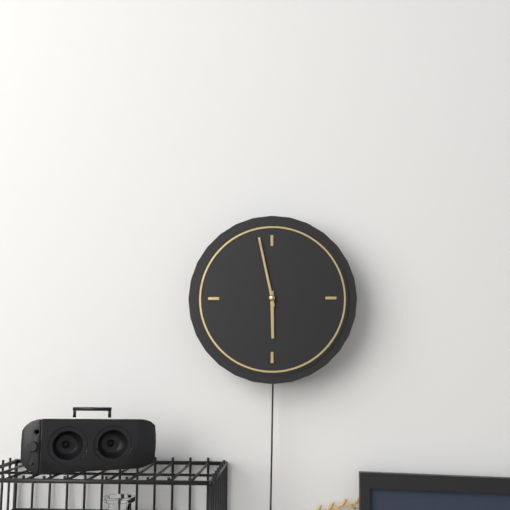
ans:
**5:58**
